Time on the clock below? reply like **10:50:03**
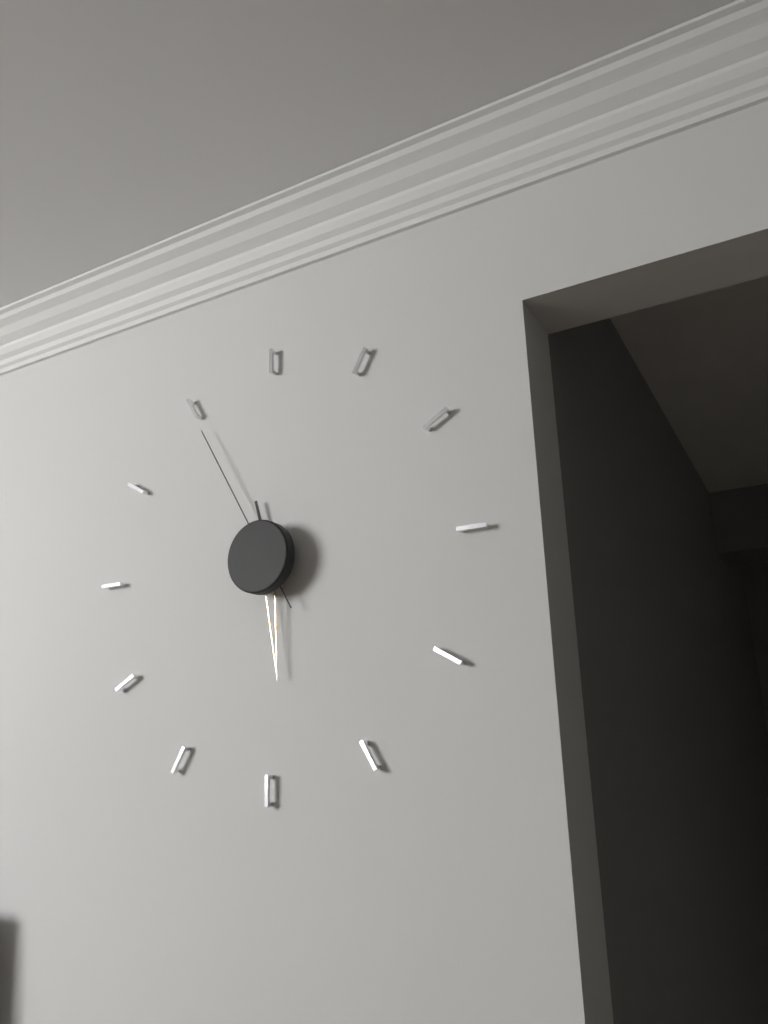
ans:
**11:29:55**
